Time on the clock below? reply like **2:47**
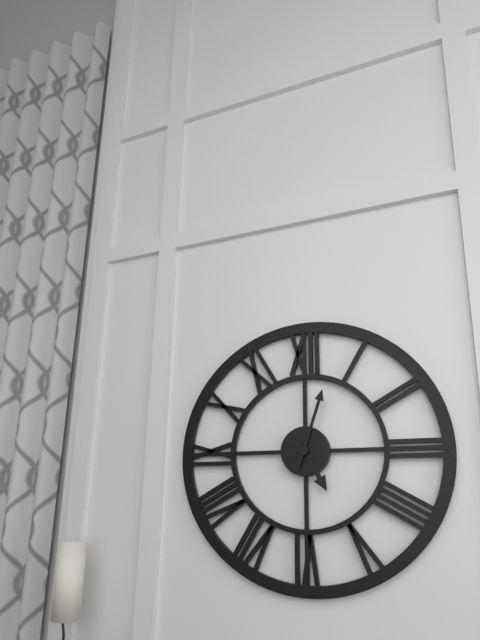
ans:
**5:03**
